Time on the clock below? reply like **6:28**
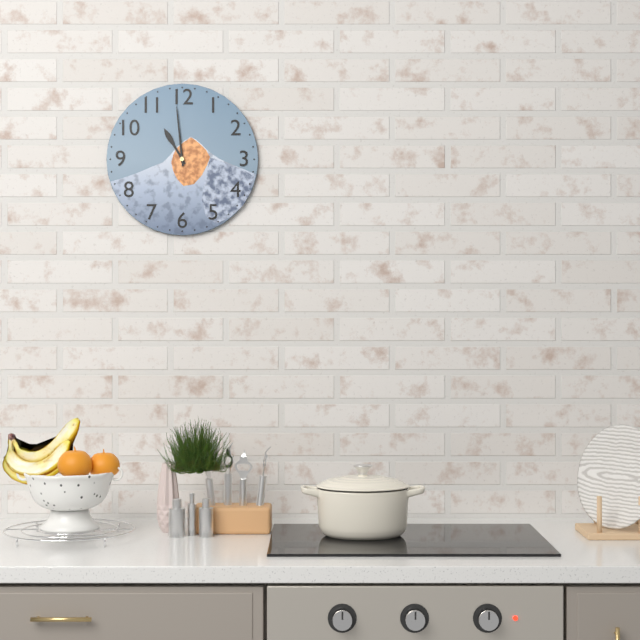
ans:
**10:59**
